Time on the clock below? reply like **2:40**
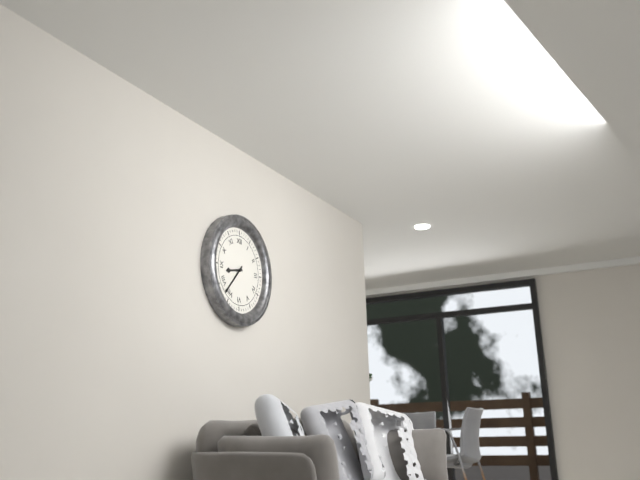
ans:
**8:37**
